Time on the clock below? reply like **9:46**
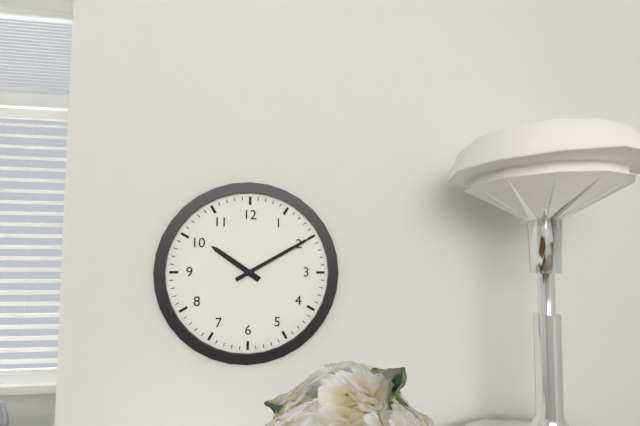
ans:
**10:10**
